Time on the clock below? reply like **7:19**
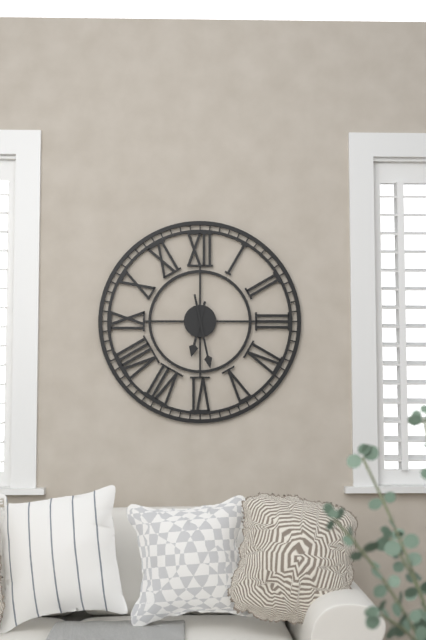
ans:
**6:28**
